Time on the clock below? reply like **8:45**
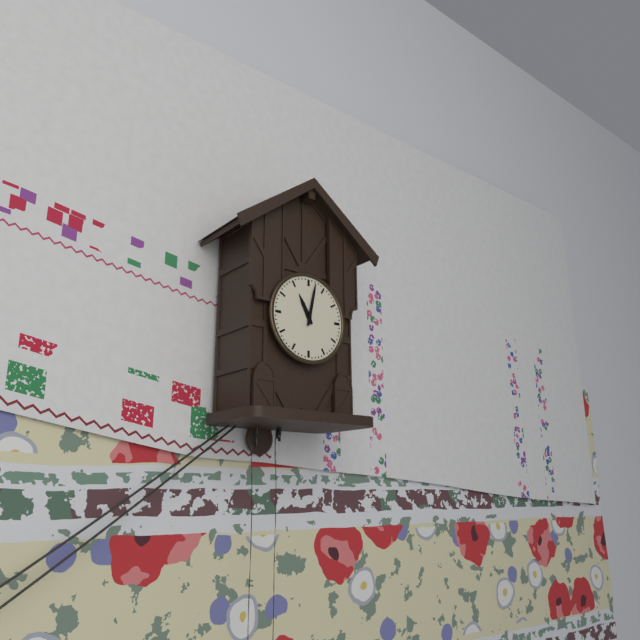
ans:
**11:02**
